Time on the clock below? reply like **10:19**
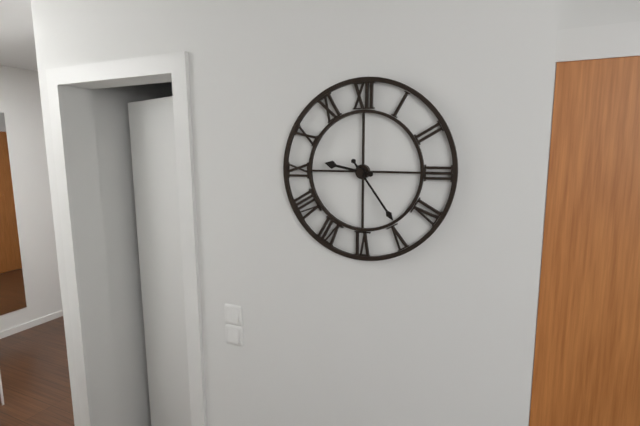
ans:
**9:24**
